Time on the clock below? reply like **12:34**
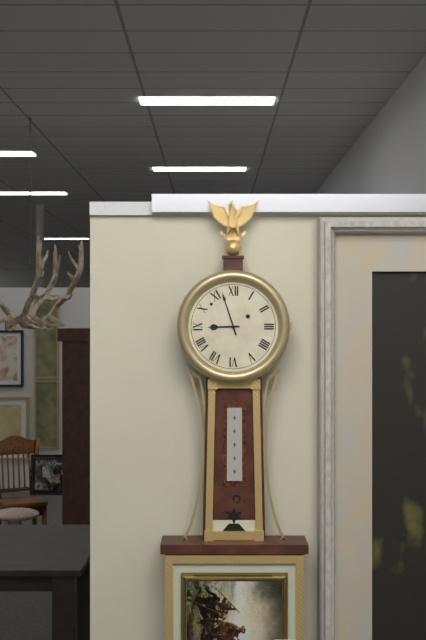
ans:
**8:57**
